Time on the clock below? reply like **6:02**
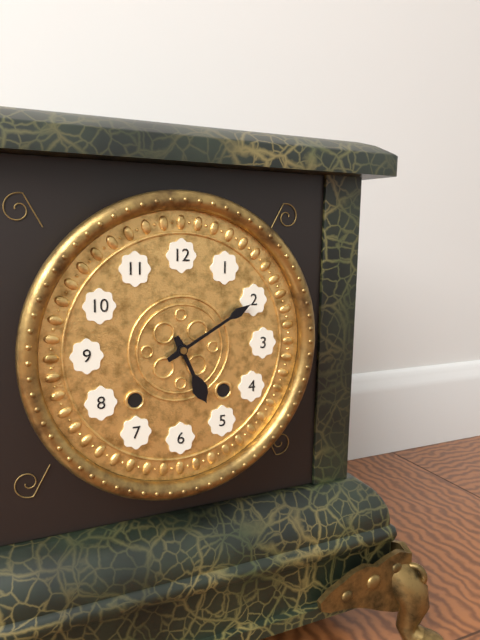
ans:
**5:10**
